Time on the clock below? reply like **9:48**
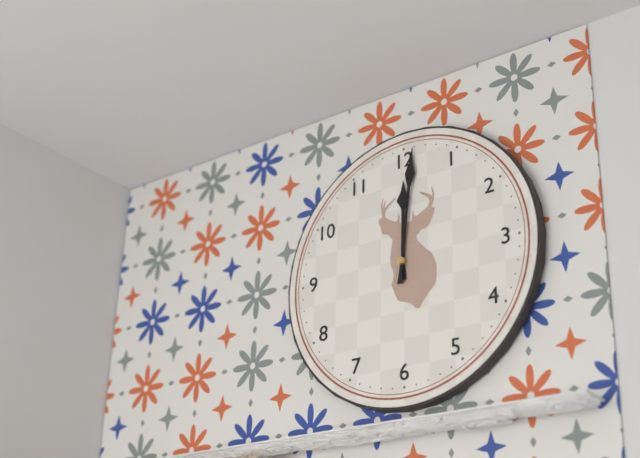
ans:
**12:01**
